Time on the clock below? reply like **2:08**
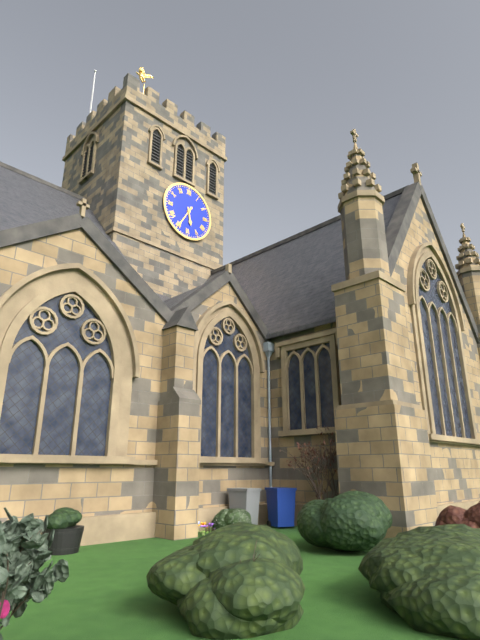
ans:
**5:35**
